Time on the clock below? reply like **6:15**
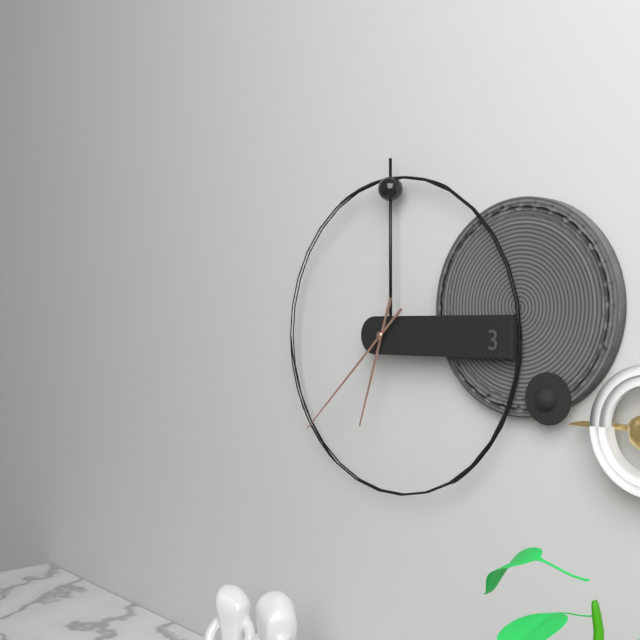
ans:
**6:38**
